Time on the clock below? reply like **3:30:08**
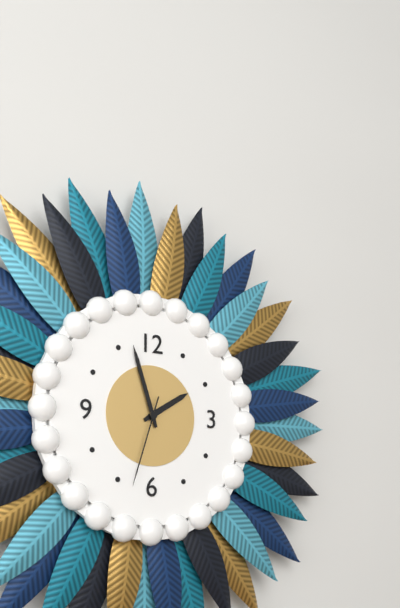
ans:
**1:57:33**
